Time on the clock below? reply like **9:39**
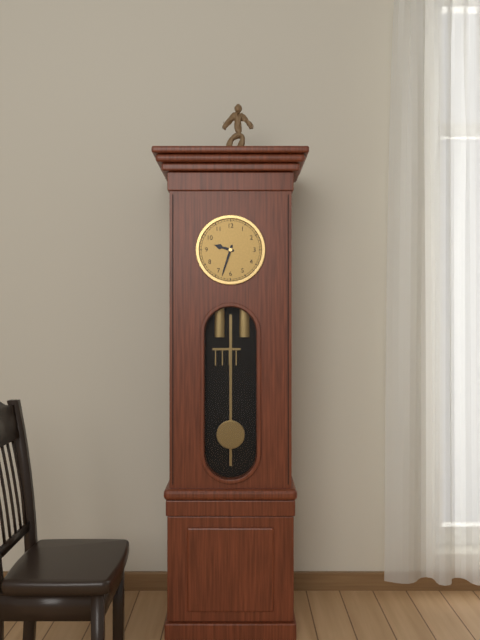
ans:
**9:33**
